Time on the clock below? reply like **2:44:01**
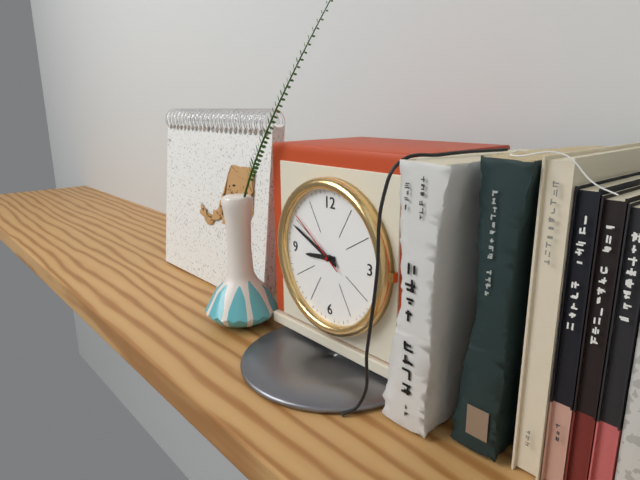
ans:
**8:49:51**
